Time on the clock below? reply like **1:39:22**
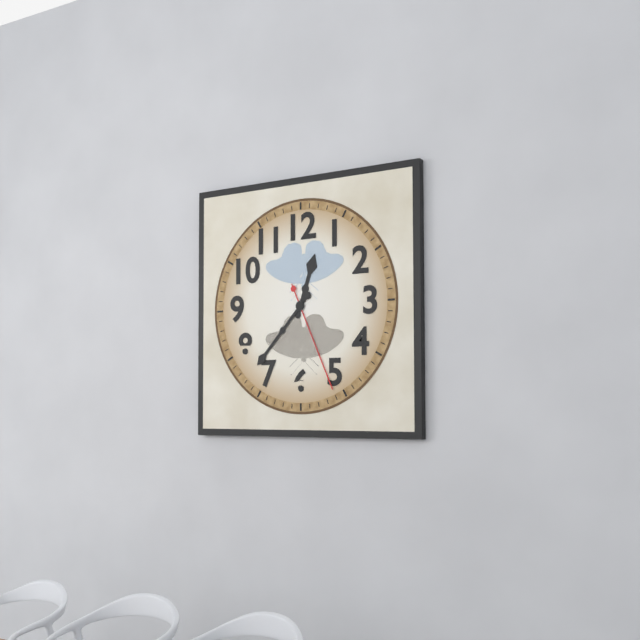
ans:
**12:37:26**
